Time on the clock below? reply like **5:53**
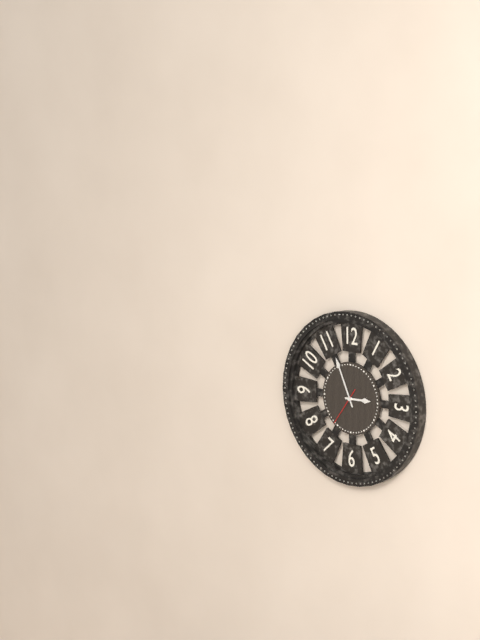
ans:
**2:56**
